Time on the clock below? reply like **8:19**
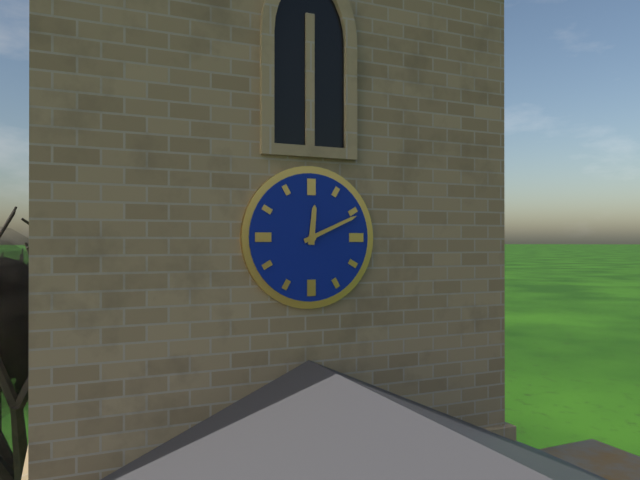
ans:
**12:11**
